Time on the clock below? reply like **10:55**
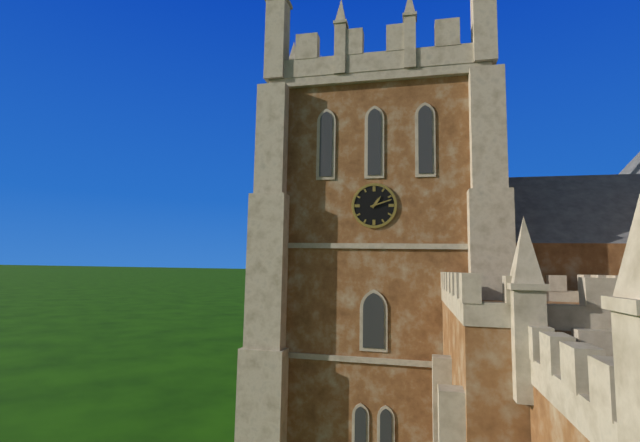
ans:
**1:12**
